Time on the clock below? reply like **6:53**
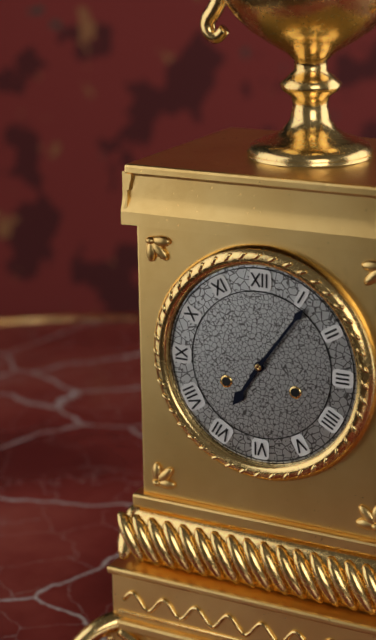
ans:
**7:06**
